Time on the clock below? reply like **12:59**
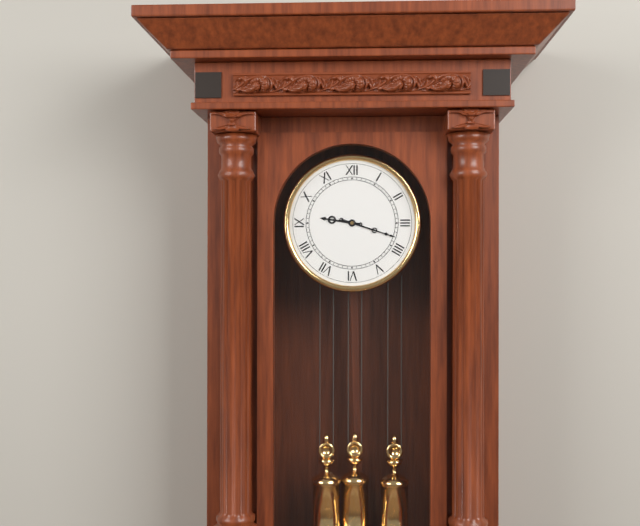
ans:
**9:18**
